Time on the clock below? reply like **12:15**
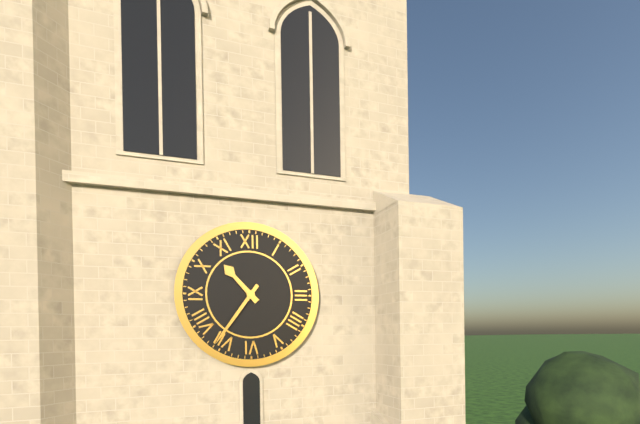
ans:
**10:36**
